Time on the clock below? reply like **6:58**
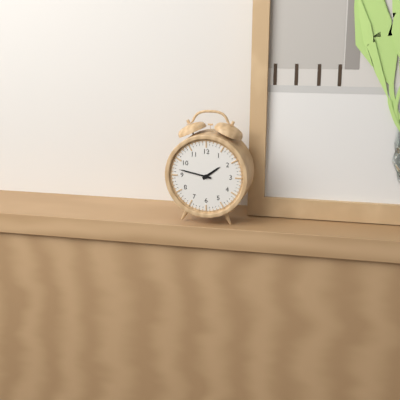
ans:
**1:47**
